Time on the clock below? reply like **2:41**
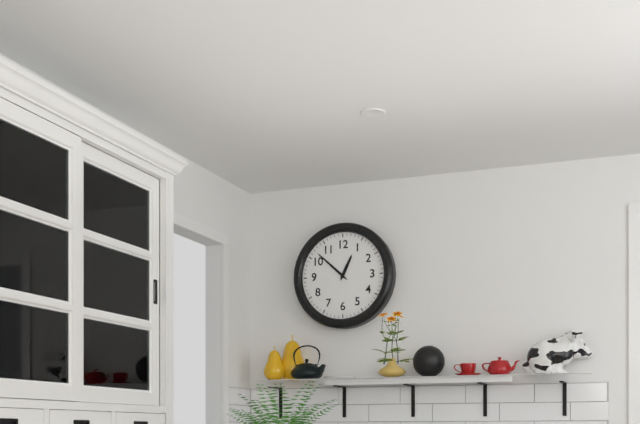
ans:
**12:52**
